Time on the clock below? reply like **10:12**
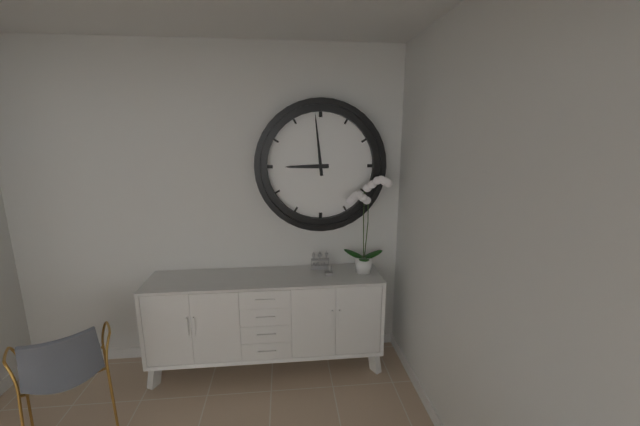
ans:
**8:59**
